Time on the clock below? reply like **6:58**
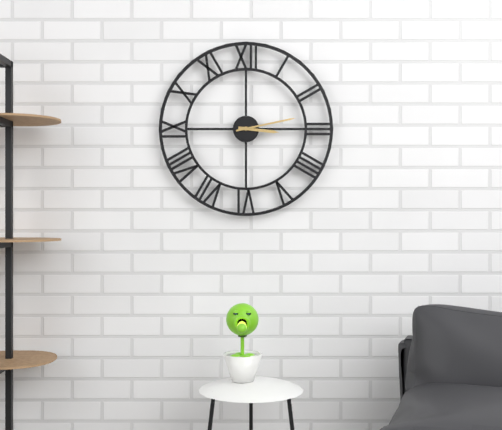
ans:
**3:13**
